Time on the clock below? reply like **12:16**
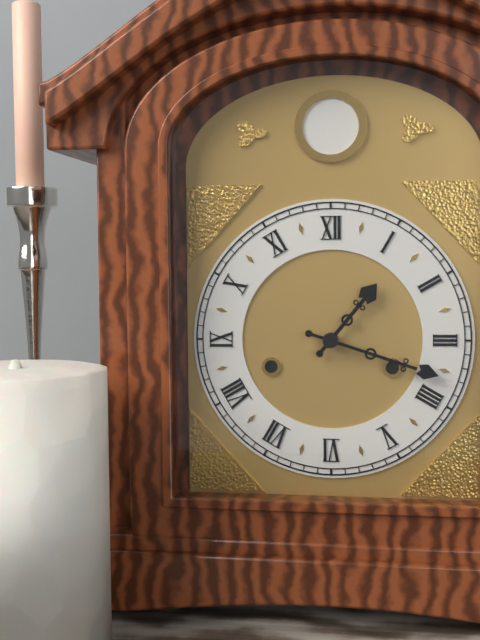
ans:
**1:18**
